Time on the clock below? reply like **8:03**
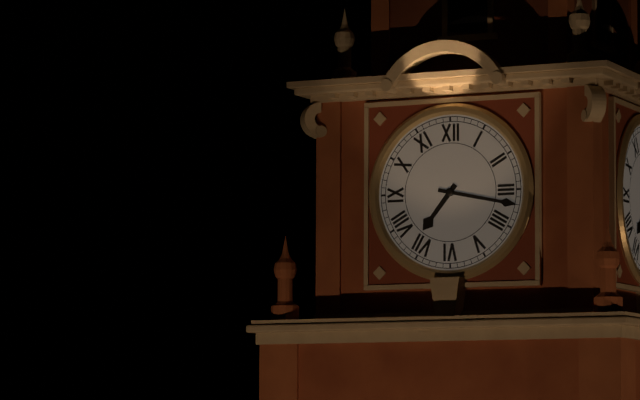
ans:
**7:17**
